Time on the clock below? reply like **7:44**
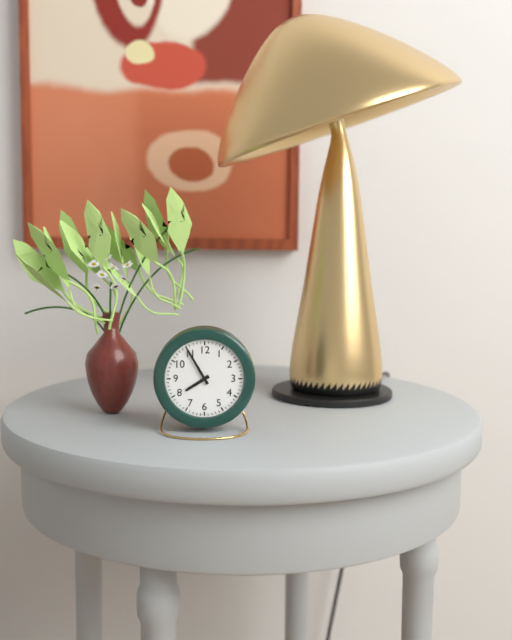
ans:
**7:55**
